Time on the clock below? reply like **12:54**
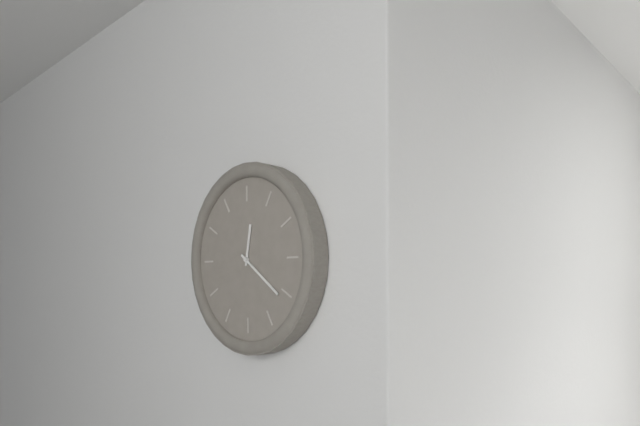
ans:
**12:21**
